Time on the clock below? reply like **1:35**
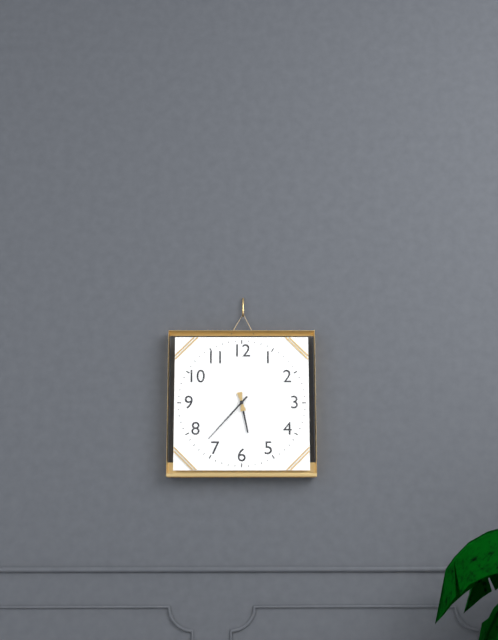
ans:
**5:37**
